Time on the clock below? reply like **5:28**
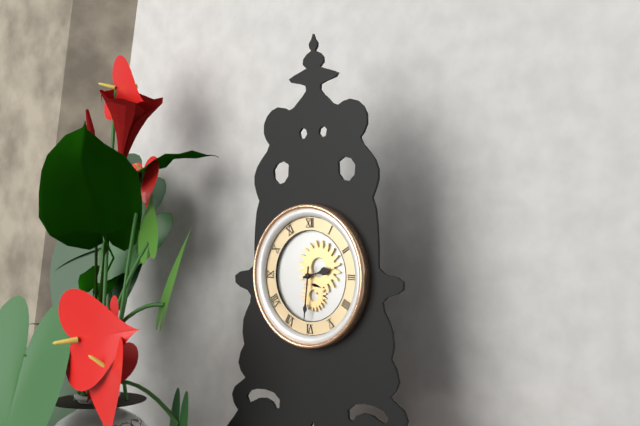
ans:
**2:31**
